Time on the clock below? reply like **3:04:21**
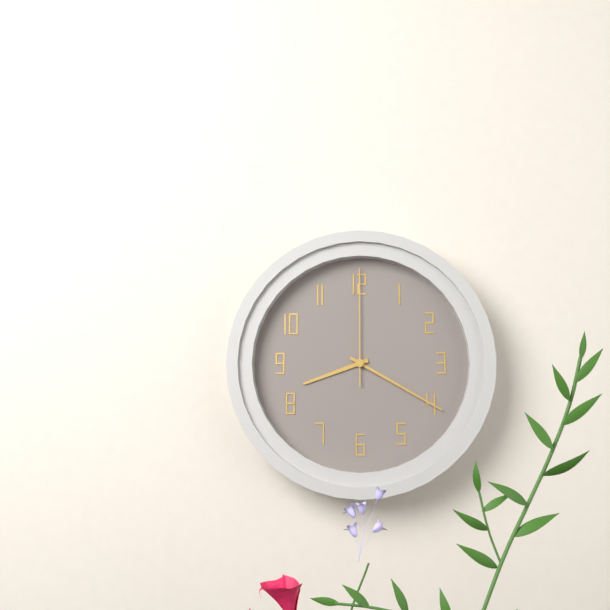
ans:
**8:20:00**
